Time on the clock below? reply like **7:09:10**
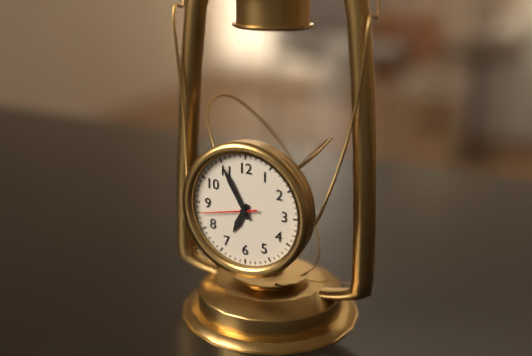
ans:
**6:55:43**
